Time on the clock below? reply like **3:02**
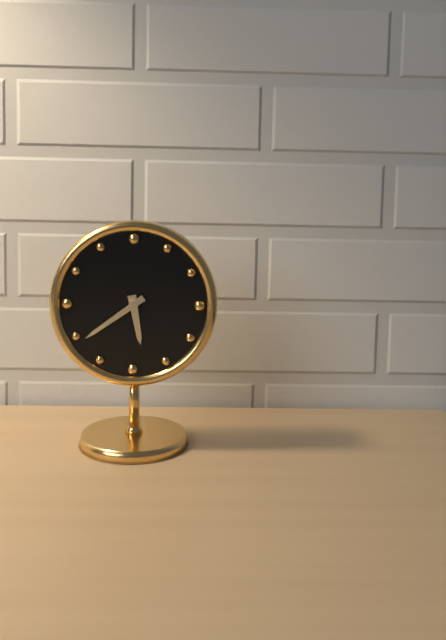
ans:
**5:39**
